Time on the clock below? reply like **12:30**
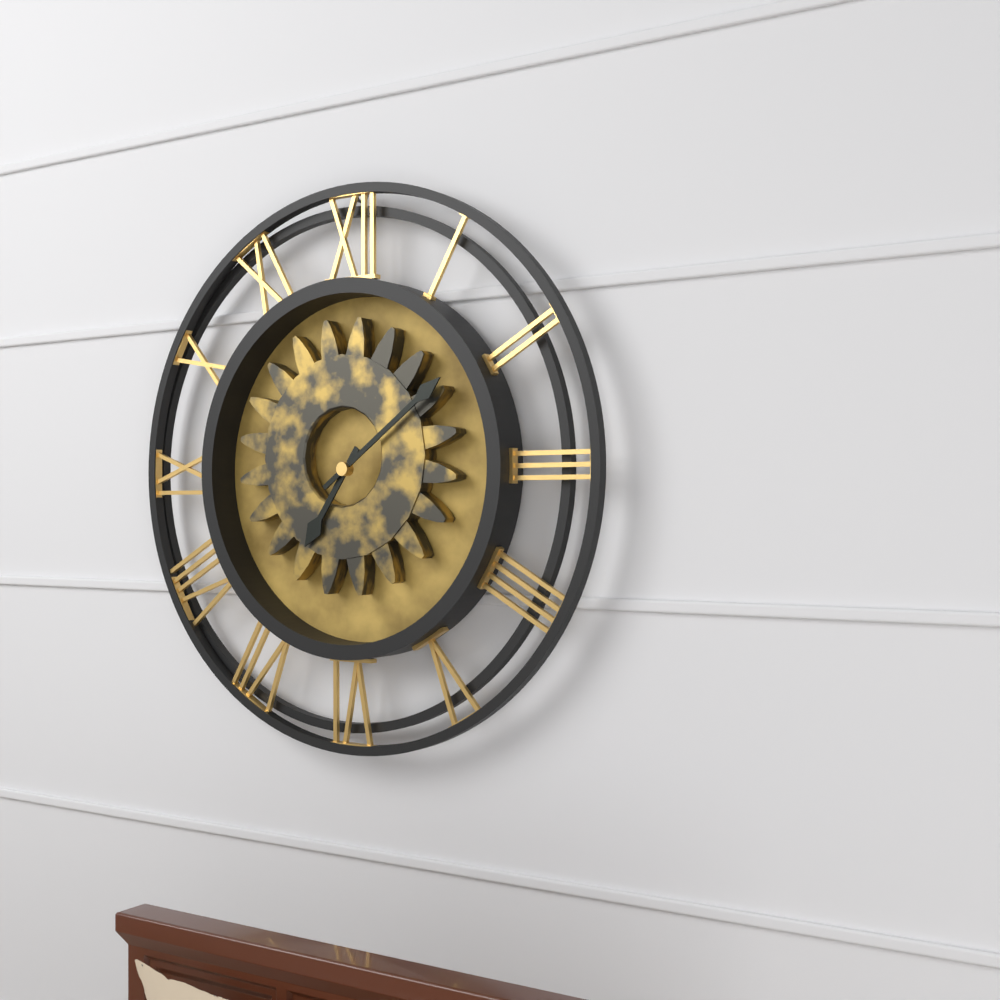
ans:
**7:09**
